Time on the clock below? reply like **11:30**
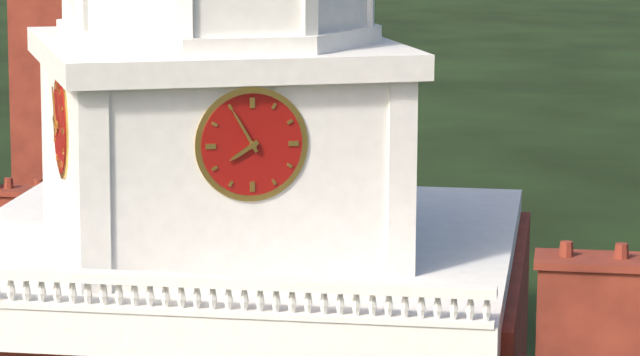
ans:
**7:55**
